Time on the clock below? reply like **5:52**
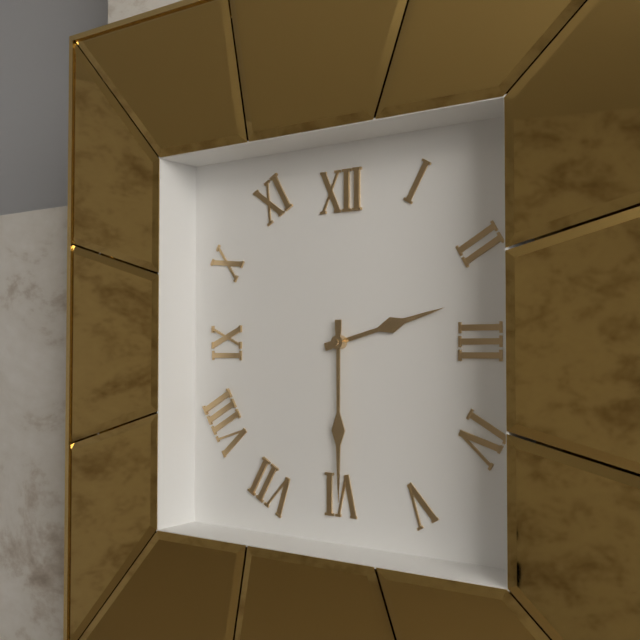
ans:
**2:30**
